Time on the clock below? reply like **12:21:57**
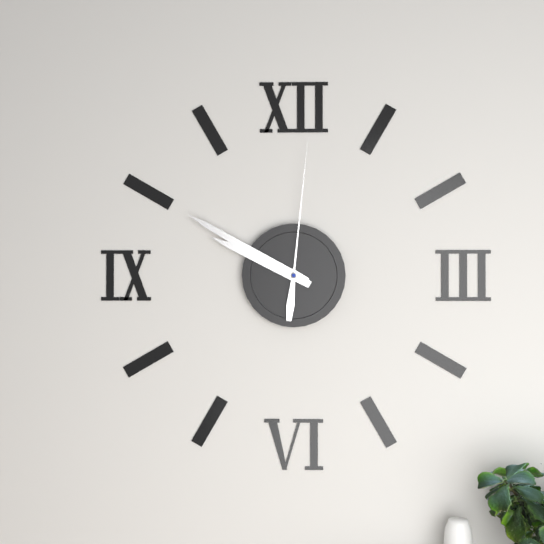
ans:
**9:50:01**
